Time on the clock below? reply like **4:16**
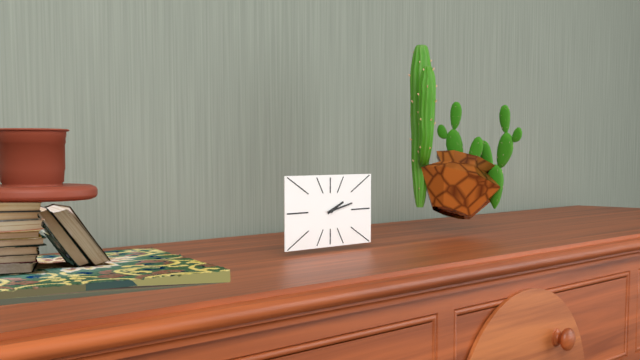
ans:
**2:13**
